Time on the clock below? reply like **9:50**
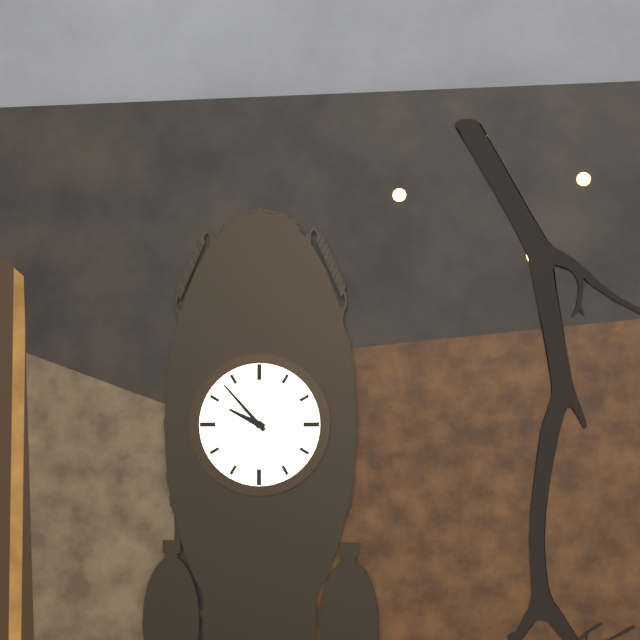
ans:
**9:53**
